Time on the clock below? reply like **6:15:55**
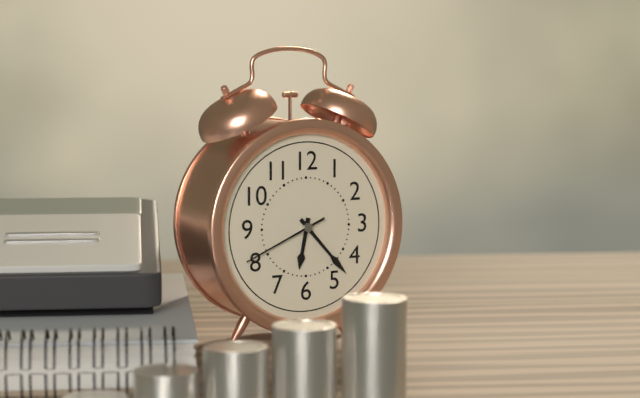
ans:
**6:23:41**
